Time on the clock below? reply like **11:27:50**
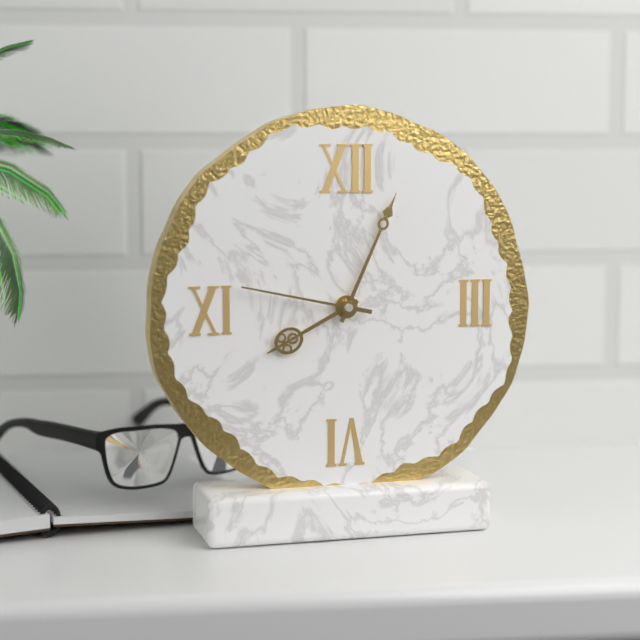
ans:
**8:04:47**
